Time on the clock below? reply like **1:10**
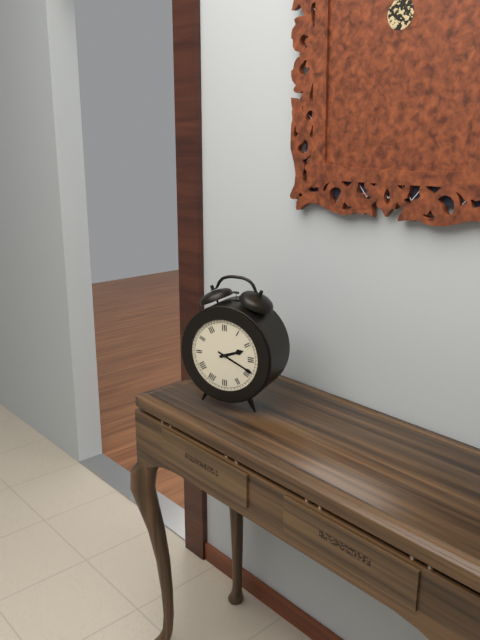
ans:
**2:19**
